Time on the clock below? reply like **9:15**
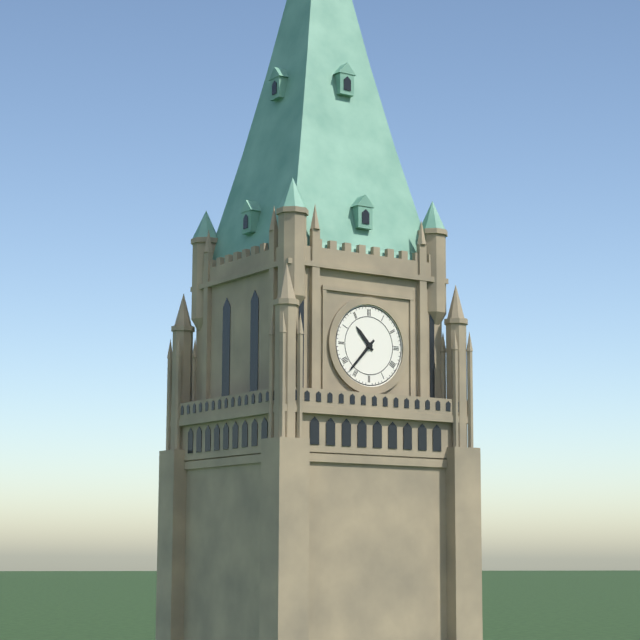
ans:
**10:37**
